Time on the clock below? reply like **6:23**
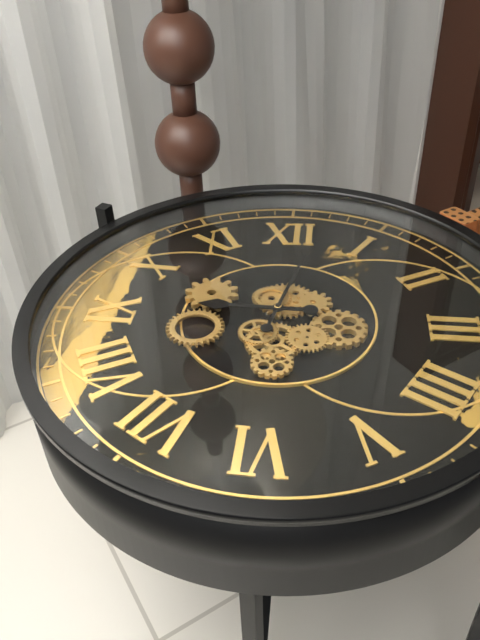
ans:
**9:02**
